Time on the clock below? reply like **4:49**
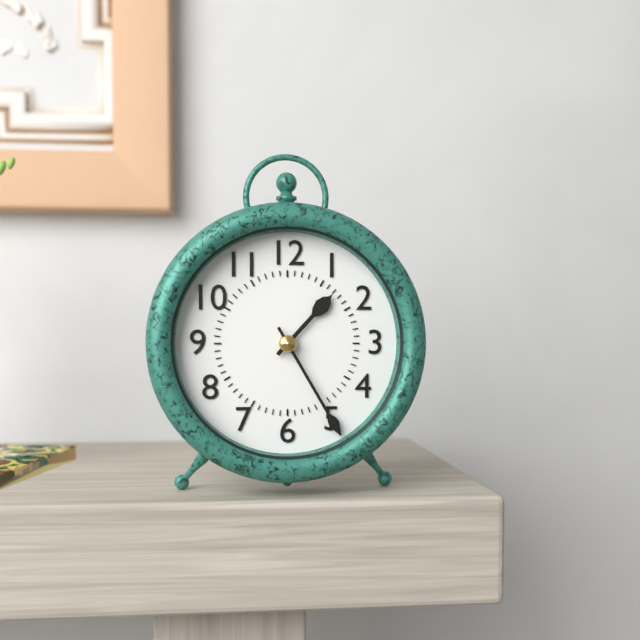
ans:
**1:25**
